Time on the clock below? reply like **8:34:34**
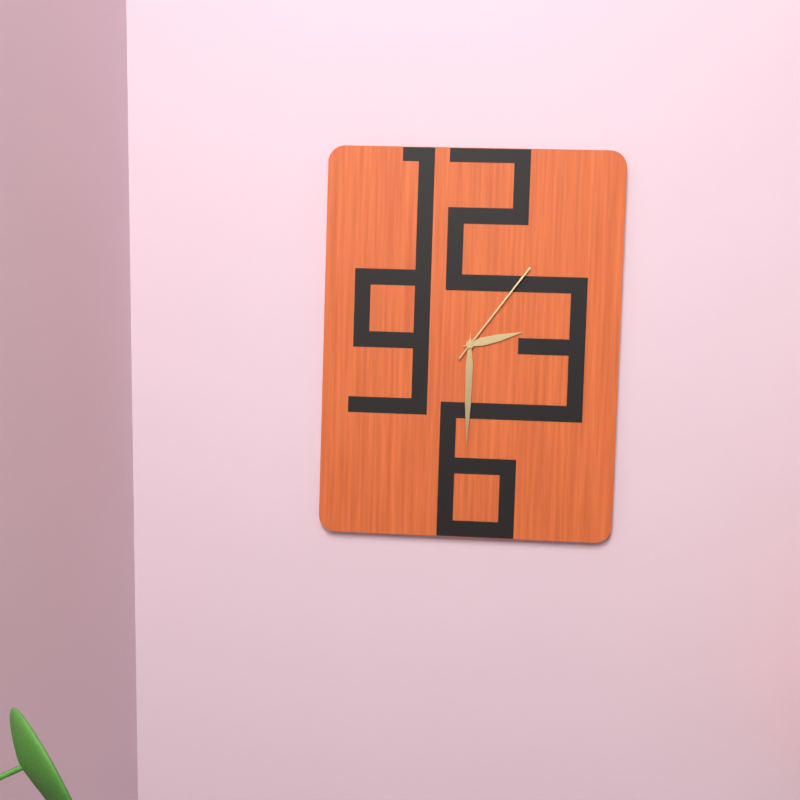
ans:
**2:30:06**
